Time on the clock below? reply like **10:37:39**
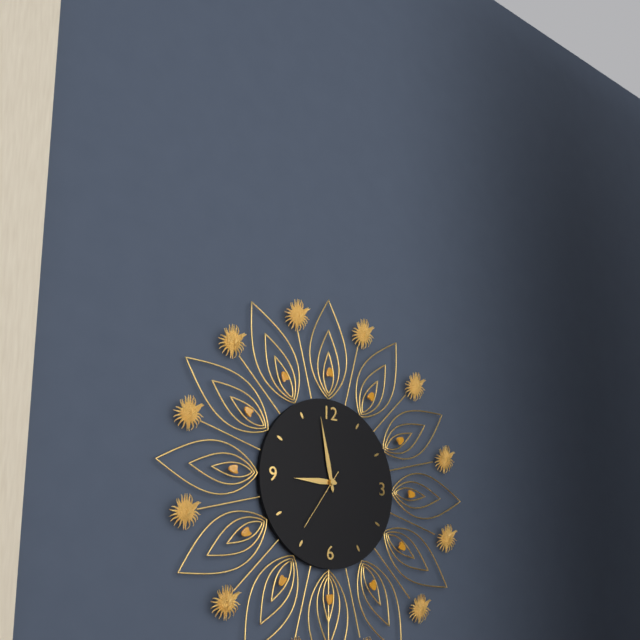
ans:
**8:58:36**
